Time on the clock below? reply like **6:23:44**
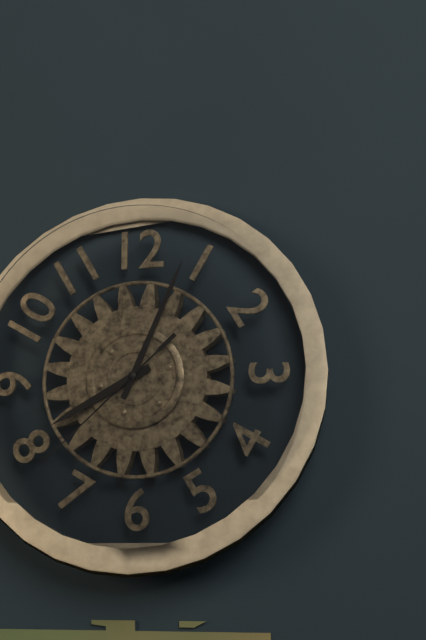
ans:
**8:04:38**
